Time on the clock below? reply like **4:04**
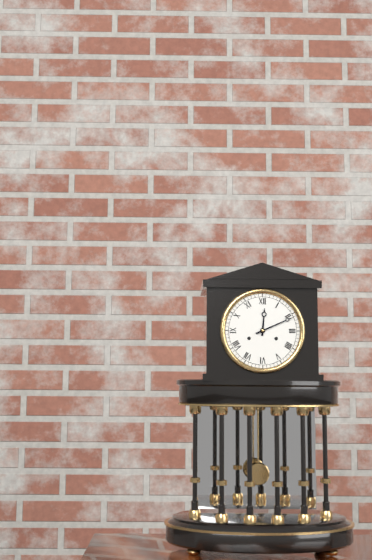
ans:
**12:11**
